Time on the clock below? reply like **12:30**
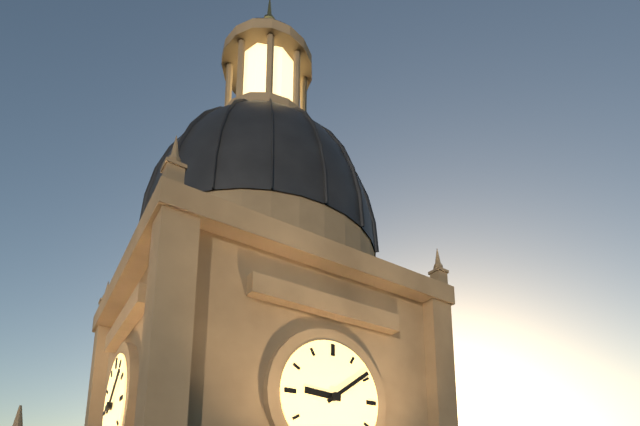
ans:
**9:09**
